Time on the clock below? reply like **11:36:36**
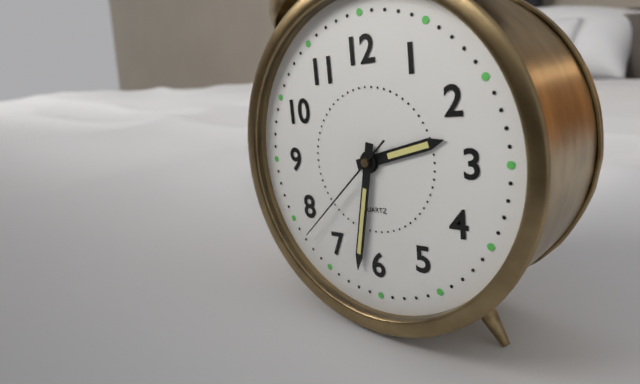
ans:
**2:32:38**
